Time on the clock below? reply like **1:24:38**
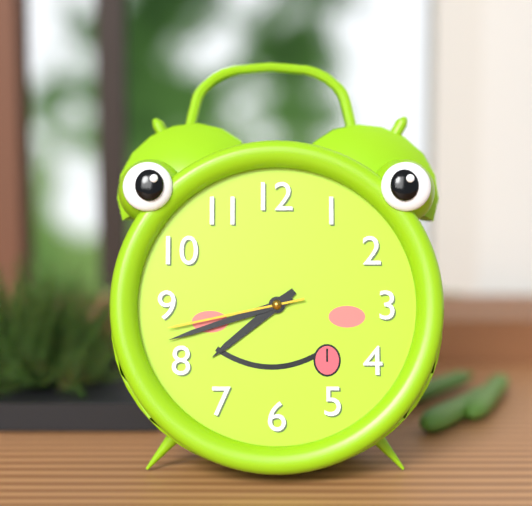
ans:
**7:42:43**
